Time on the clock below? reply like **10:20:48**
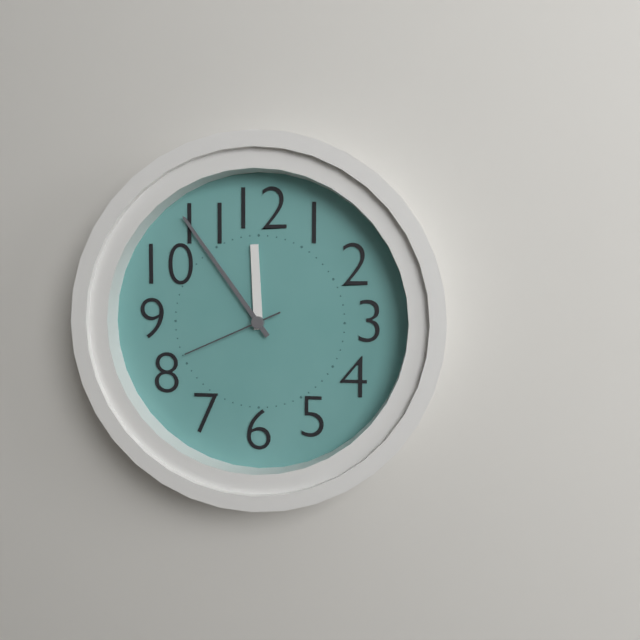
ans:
**11:54:41**
